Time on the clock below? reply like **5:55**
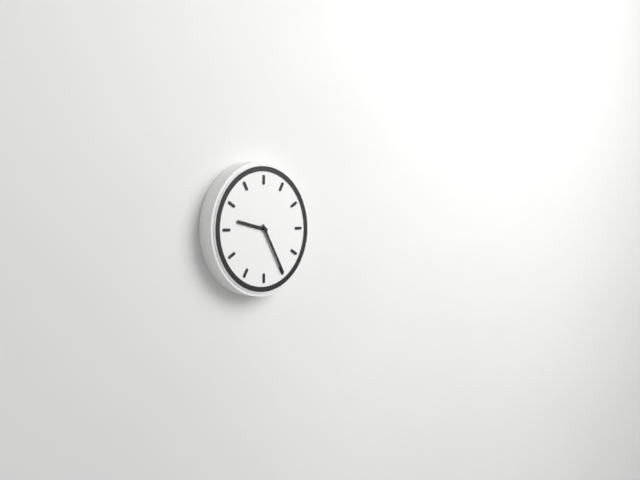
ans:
**9:25**
